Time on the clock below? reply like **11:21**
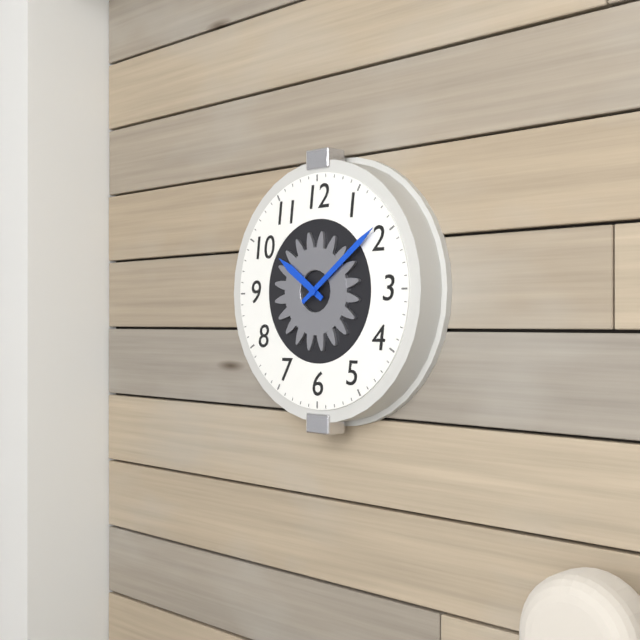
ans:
**10:09**
